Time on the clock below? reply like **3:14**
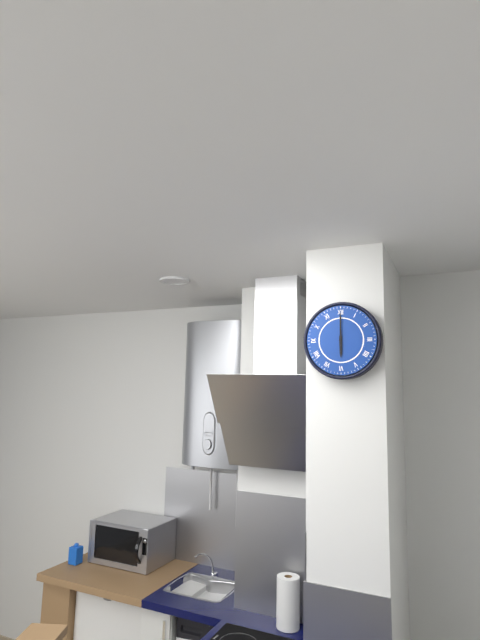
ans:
**6:00**
